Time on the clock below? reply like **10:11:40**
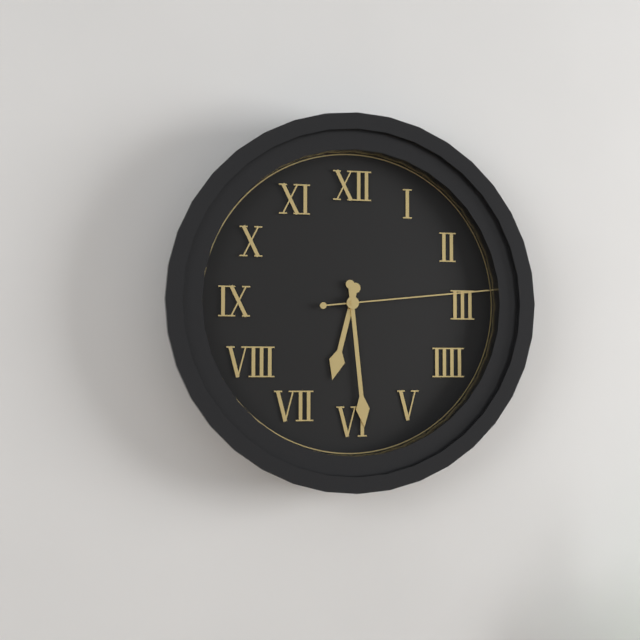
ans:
**6:29:14**
